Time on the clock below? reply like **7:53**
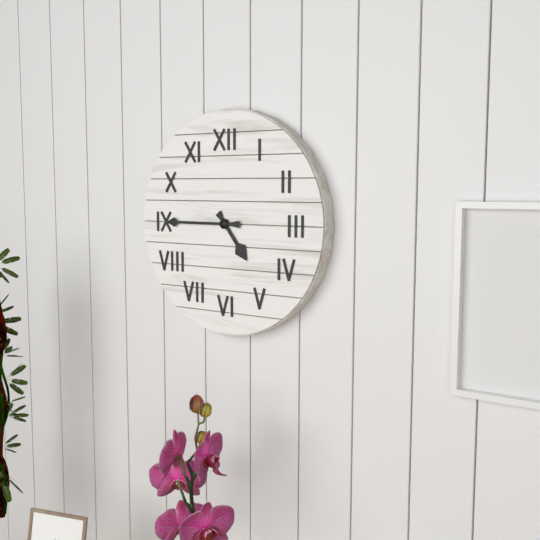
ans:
**4:45**
